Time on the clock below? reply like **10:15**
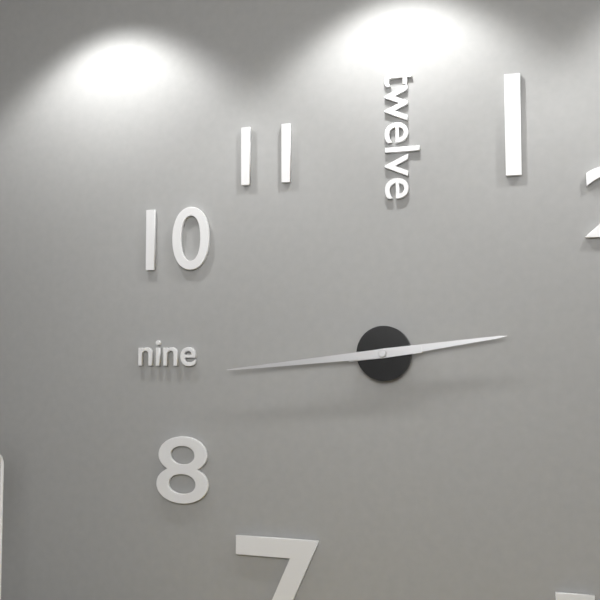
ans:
**2:44**
